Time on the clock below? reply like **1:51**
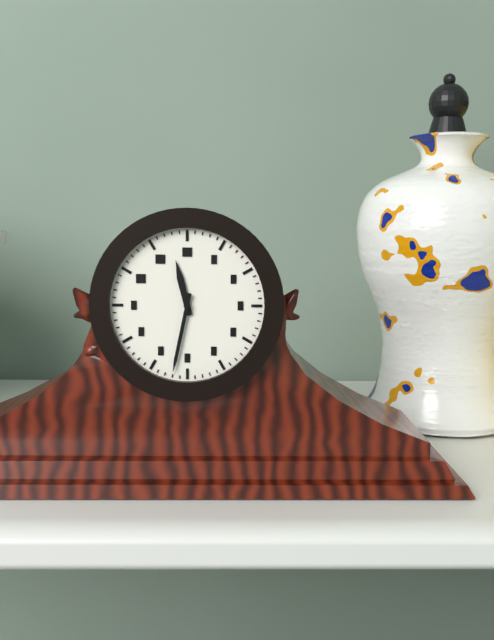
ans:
**11:32**
